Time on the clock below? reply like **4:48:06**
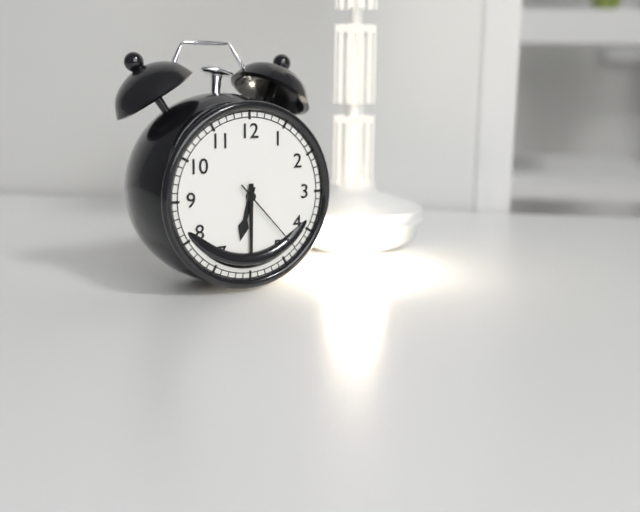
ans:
**6:30:23**
